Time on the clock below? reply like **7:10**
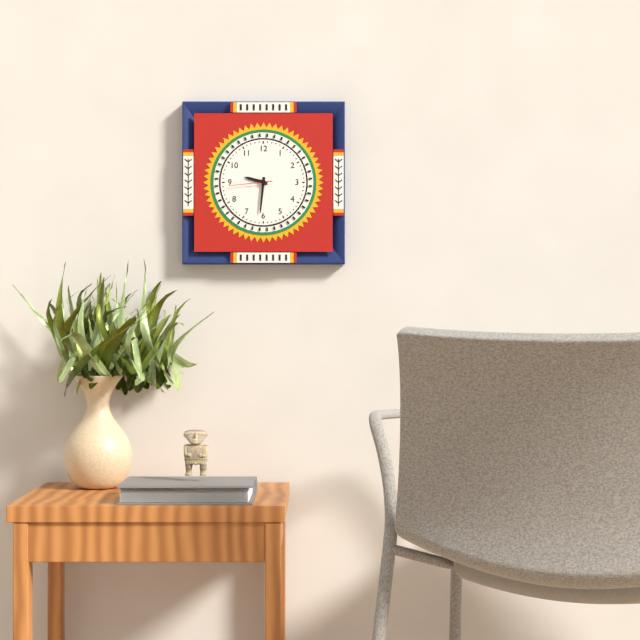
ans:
**9:31**
